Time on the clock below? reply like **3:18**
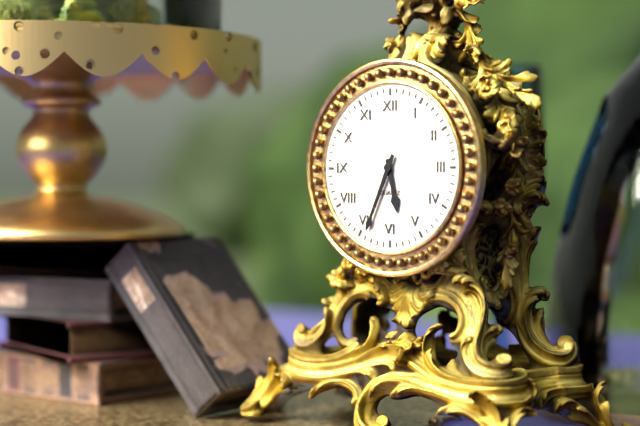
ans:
**5:34**
